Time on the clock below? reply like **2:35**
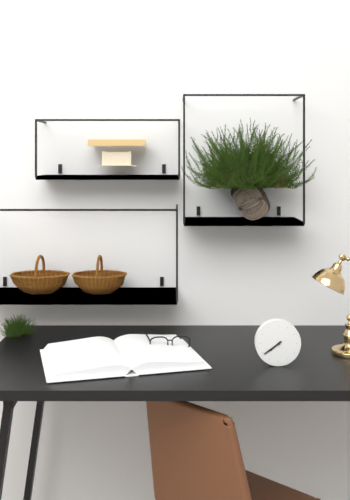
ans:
**7:39**
